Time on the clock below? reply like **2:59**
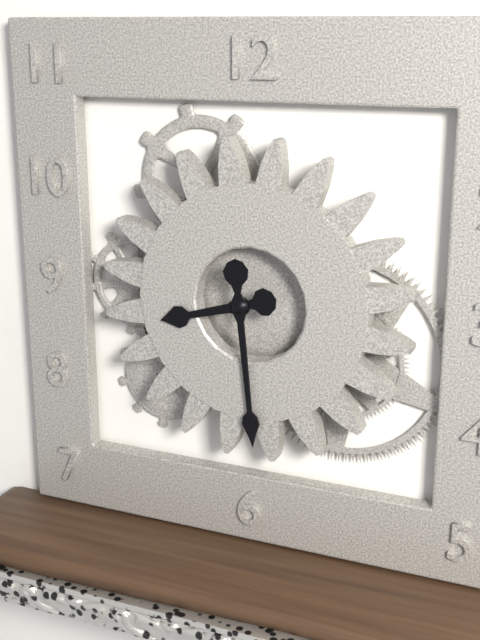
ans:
**8:29**
